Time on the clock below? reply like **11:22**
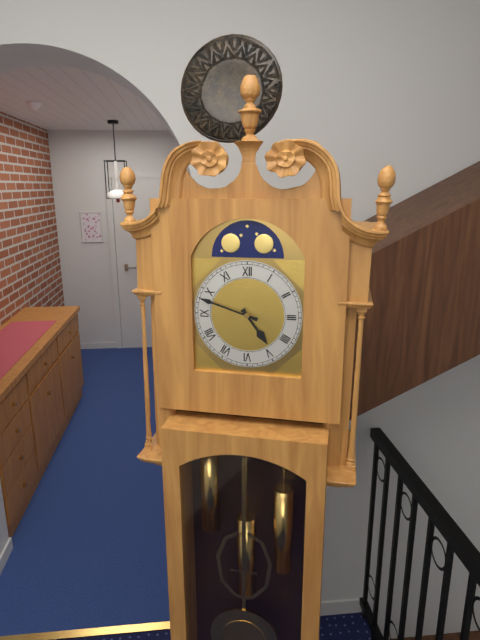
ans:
**4:48**
